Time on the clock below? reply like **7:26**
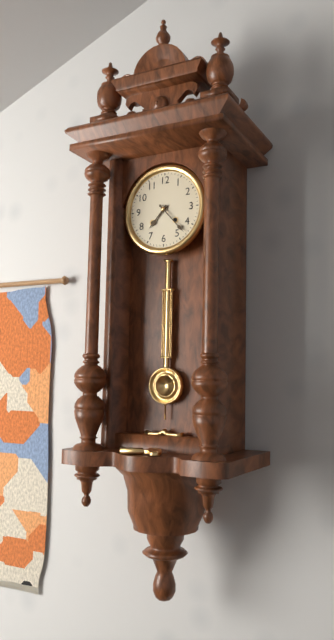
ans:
**7:23**
